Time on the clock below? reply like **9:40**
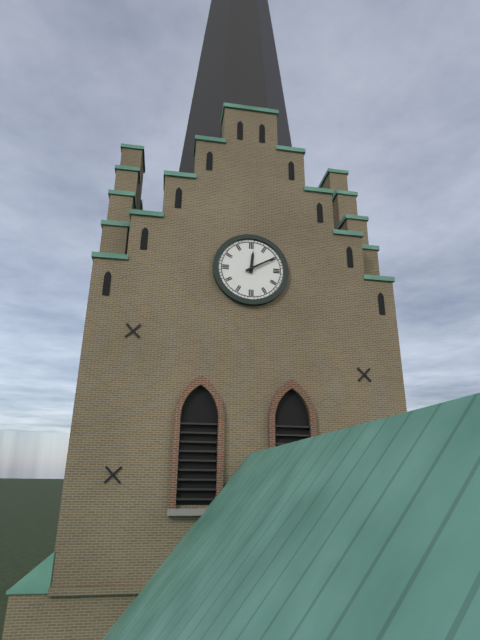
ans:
**12:10**
